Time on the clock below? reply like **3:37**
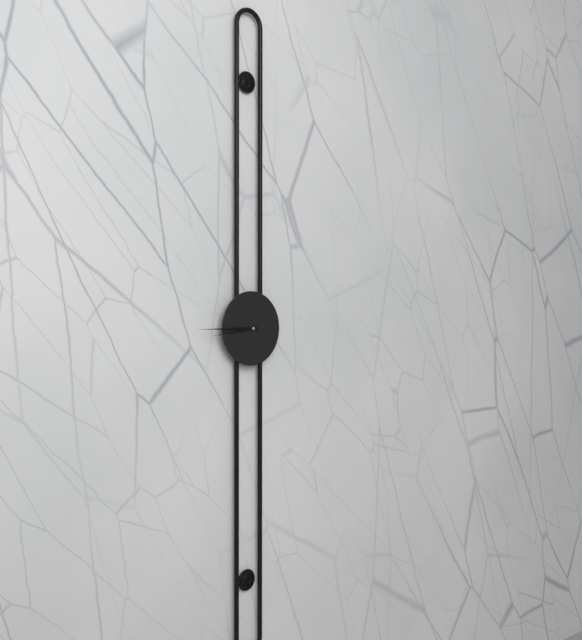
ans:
**8:45**
